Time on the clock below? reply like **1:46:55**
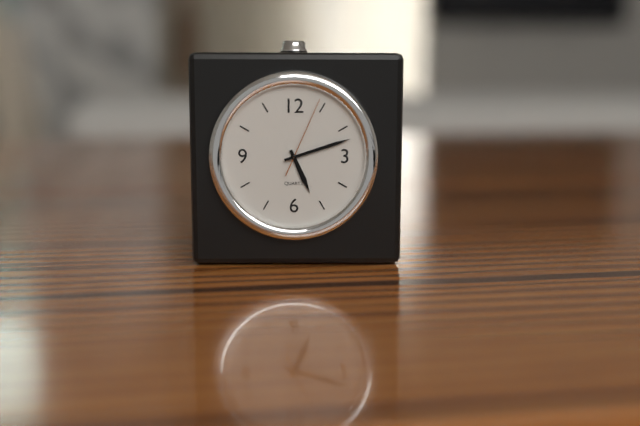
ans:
**5:12:04**
